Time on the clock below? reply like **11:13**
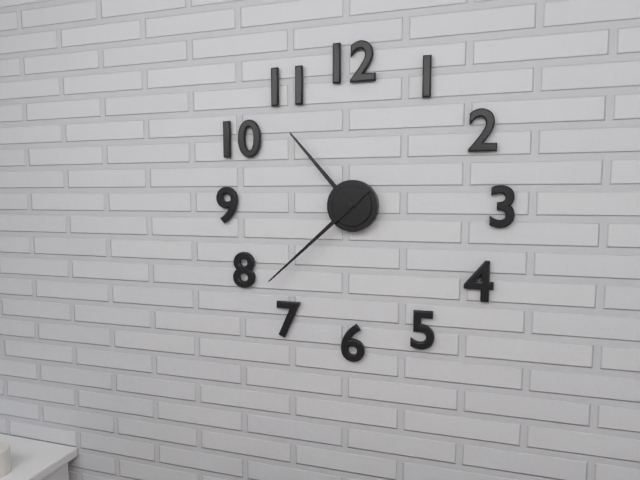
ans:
**10:38**
